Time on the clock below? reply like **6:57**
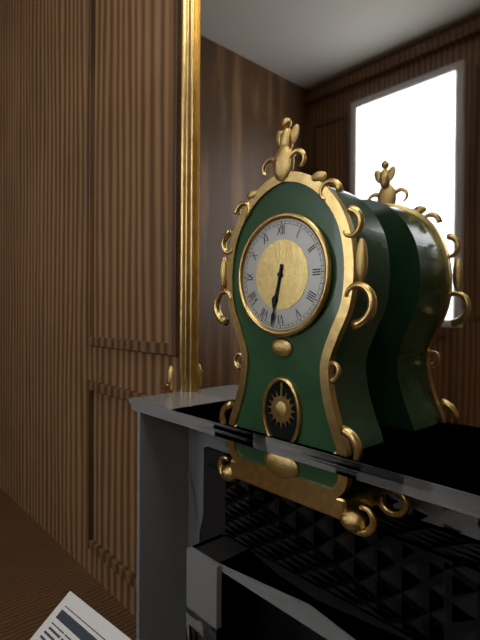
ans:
**6:32**
